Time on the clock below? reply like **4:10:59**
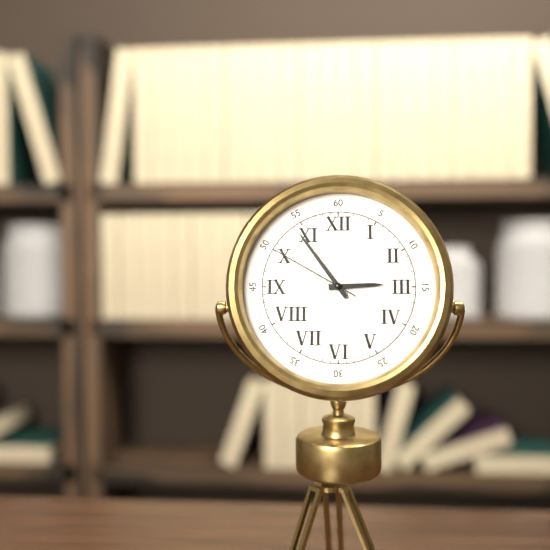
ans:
**2:54:50**
